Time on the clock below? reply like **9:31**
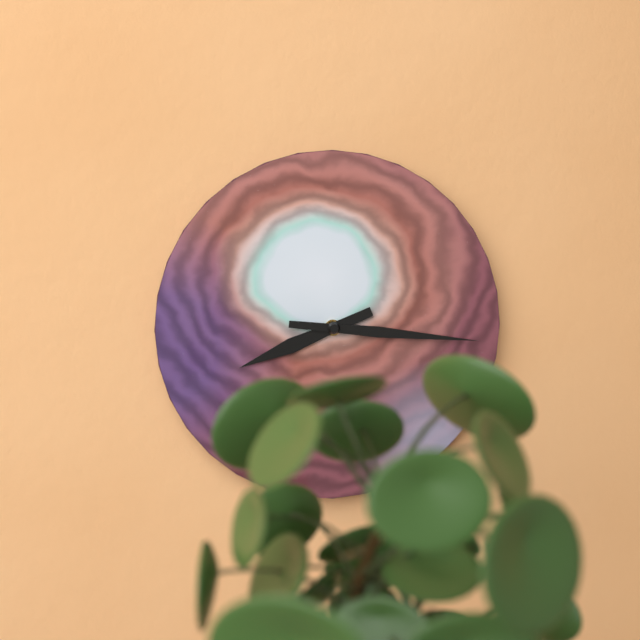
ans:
**8:16**
